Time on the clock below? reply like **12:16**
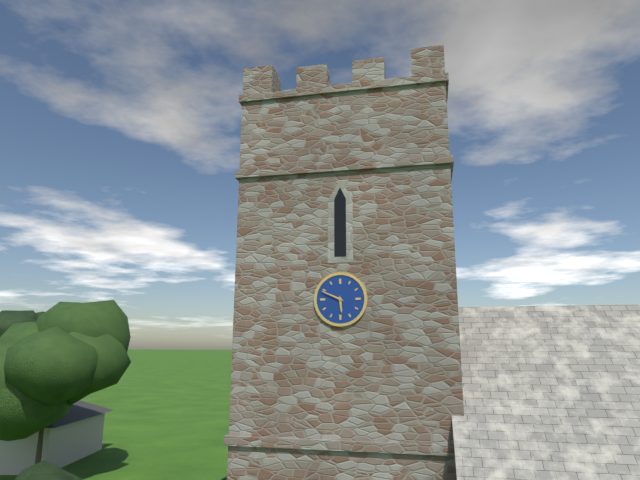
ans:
**5:49**
